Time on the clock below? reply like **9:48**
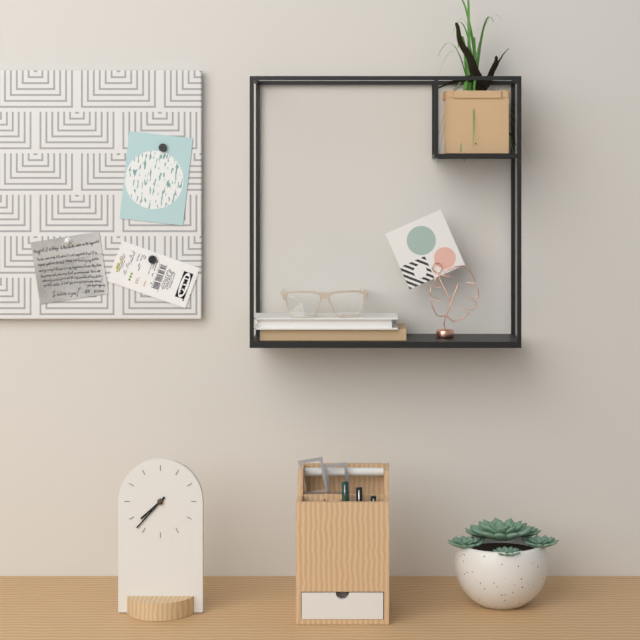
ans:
**7:37**
